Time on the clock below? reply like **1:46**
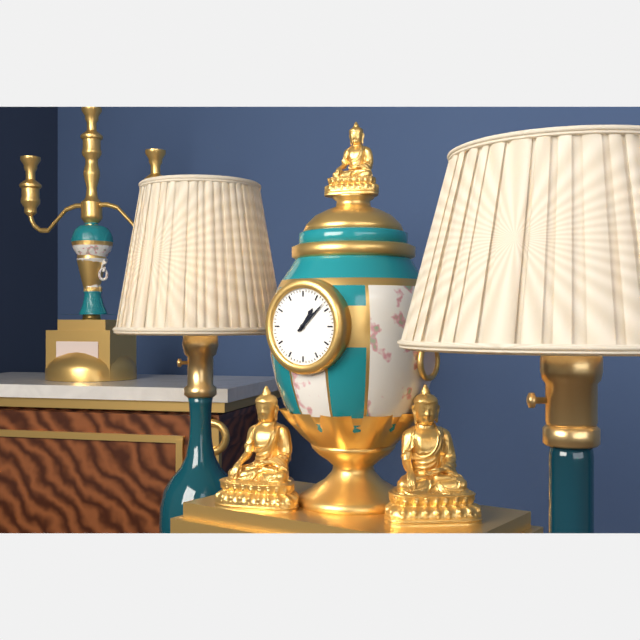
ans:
**1:08**
